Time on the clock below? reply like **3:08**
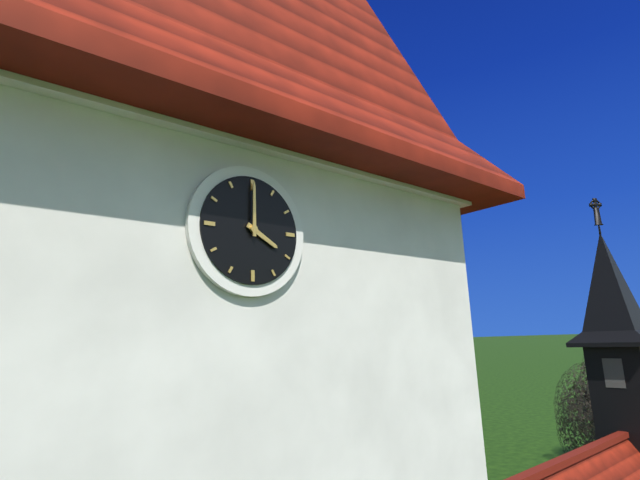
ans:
**4:00**
